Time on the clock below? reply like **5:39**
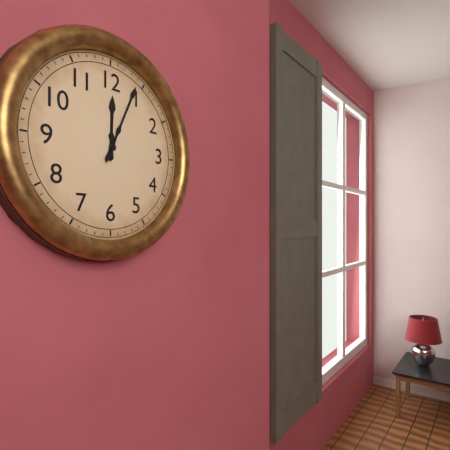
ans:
**12:04**
